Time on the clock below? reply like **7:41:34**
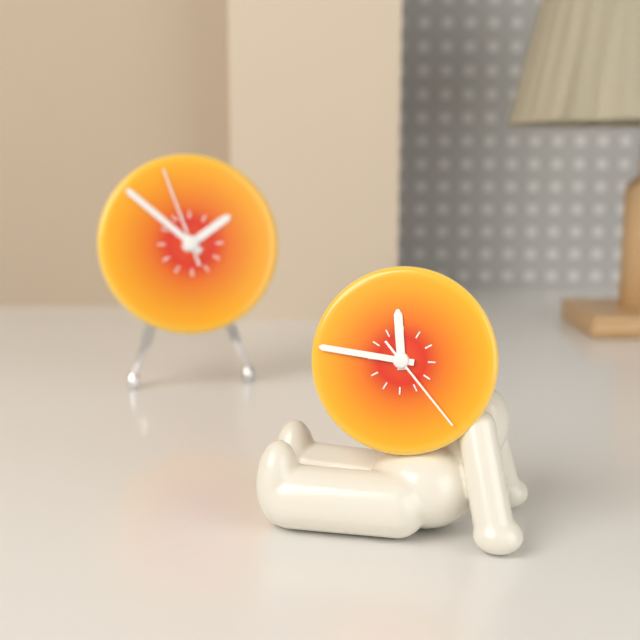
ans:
**11:46:23**
